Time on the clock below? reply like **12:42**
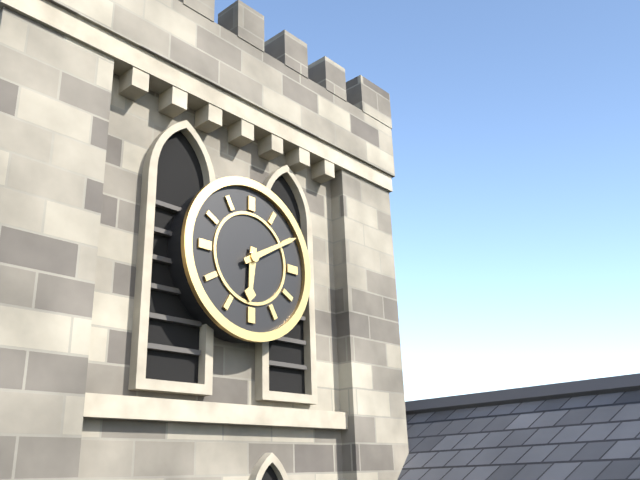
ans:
**6:10**
